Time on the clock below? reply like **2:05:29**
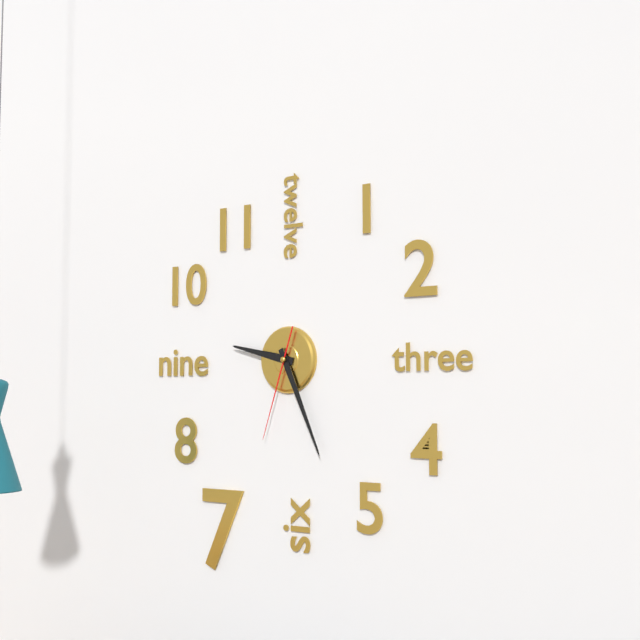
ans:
**9:26:33**
